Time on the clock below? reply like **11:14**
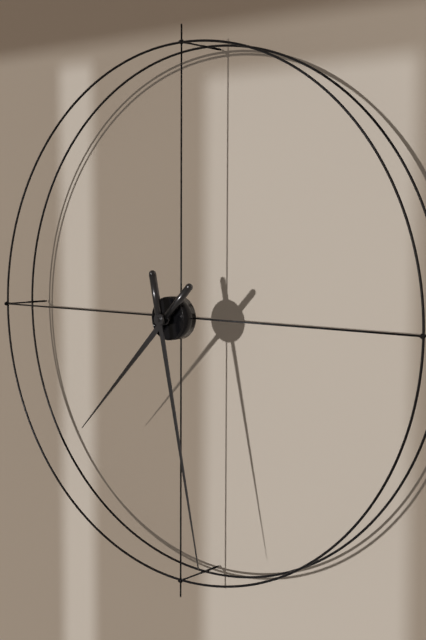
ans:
**7:28**
